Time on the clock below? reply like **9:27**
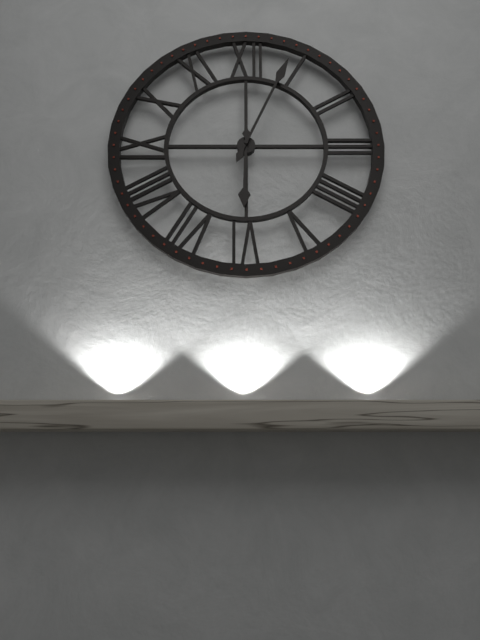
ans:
**6:04**
